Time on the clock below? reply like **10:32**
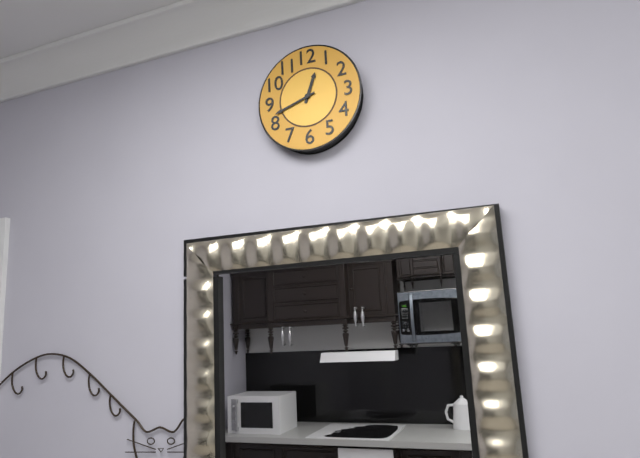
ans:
**12:42**
